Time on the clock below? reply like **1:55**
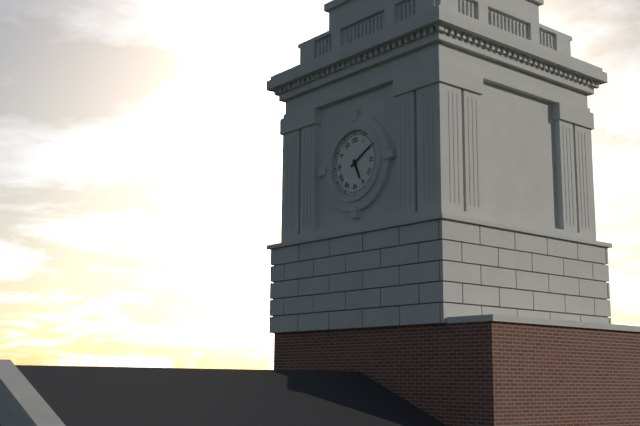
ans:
**5:10**
